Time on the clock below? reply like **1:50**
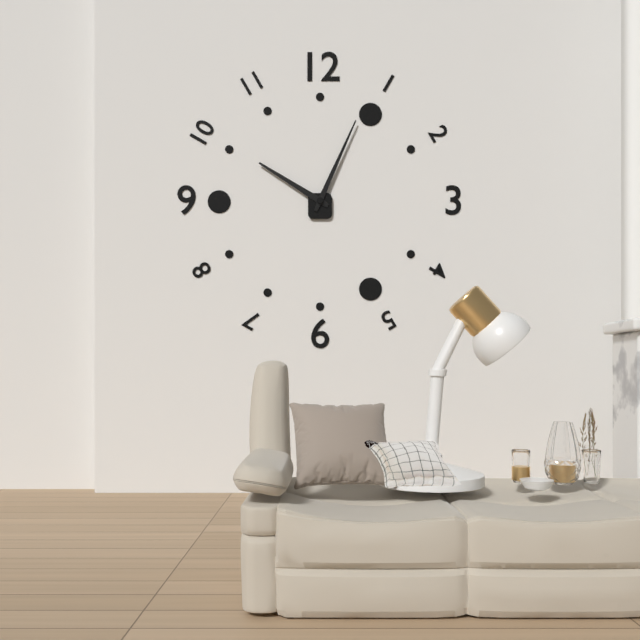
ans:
**10:04**
